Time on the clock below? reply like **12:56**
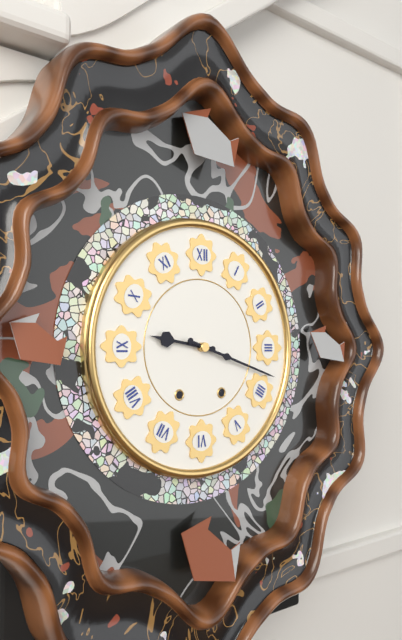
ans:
**9:18**
